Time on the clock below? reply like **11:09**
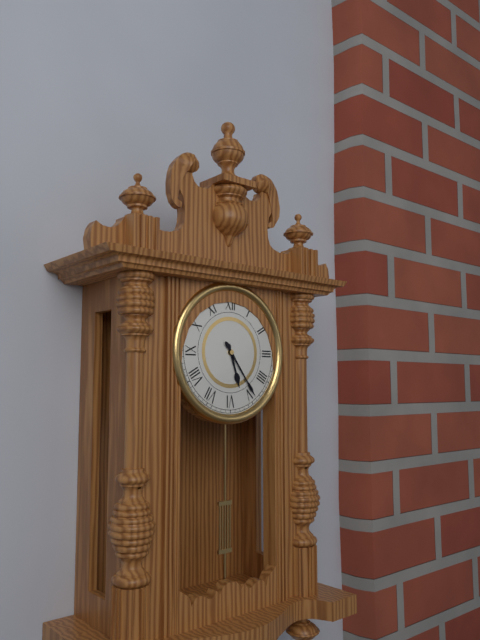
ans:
**5:24**
